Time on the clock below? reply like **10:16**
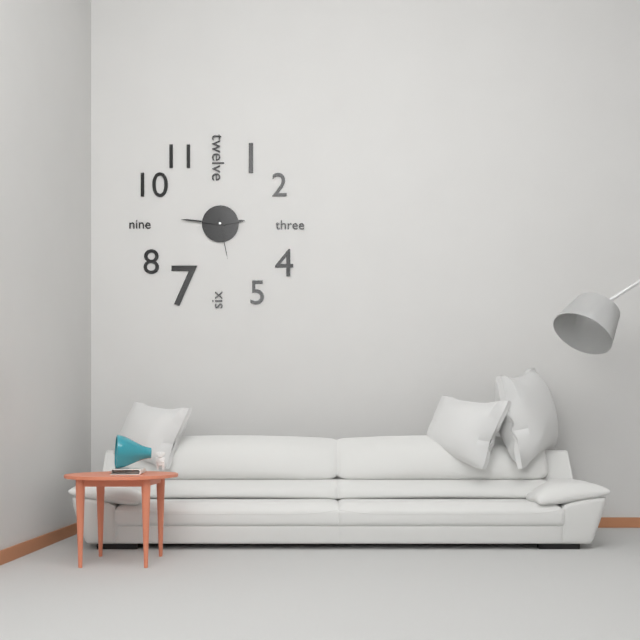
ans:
**2:46**
